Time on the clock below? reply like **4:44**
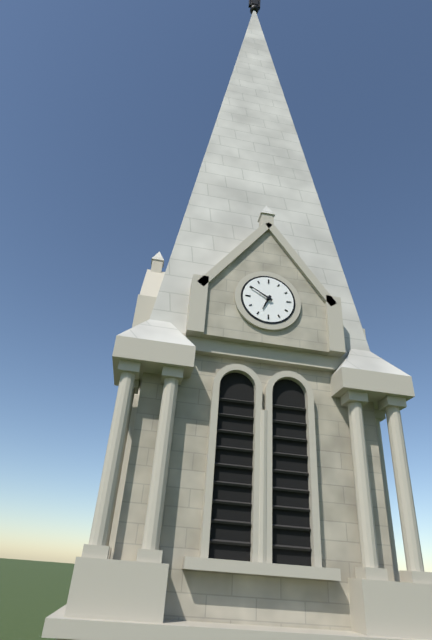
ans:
**6:50**
